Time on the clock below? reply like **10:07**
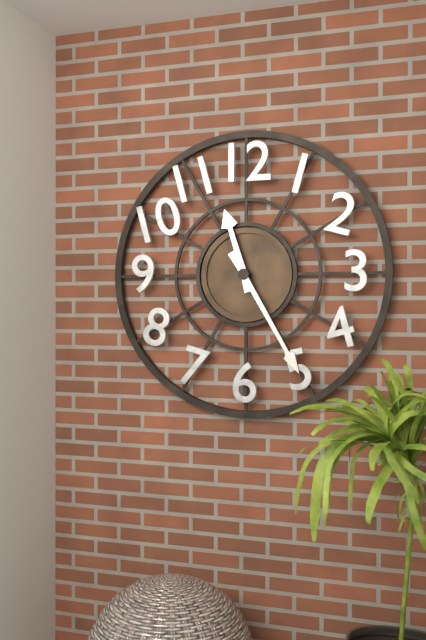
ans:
**11:25**
